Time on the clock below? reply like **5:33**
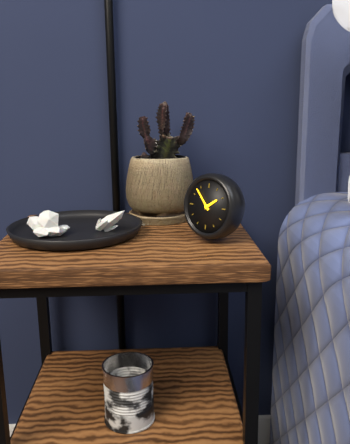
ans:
**1:53**
